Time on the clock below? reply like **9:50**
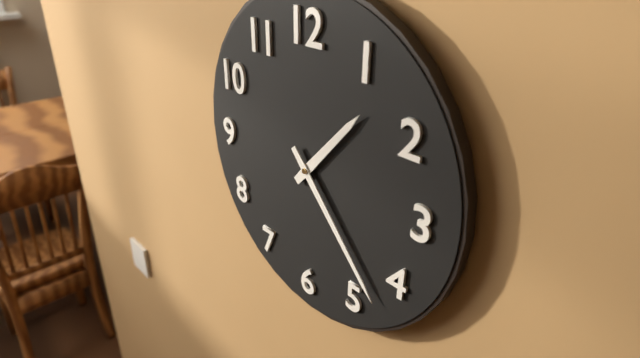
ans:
**1:23**
